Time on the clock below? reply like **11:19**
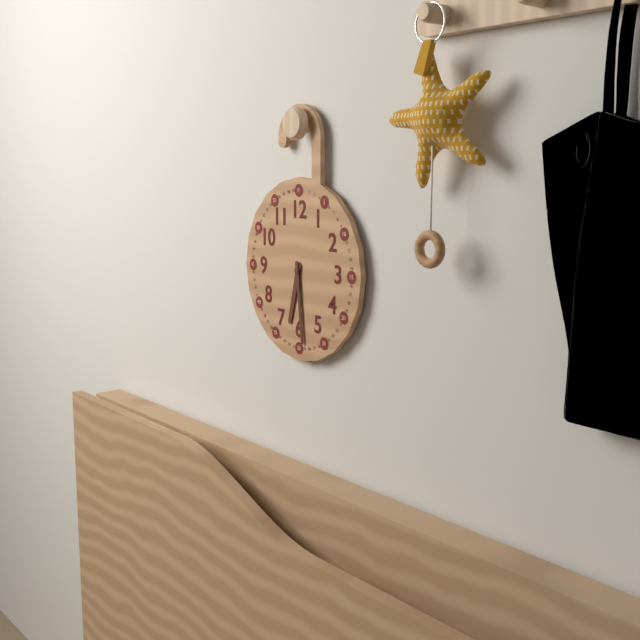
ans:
**6:29**
